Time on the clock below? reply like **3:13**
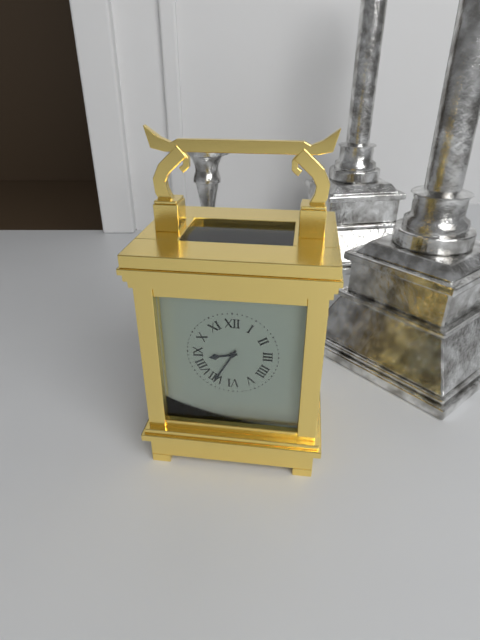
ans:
**8:35**
